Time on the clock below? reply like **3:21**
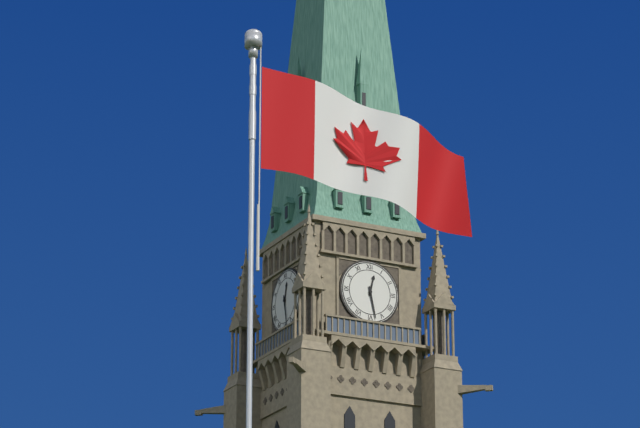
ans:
**12:28**
